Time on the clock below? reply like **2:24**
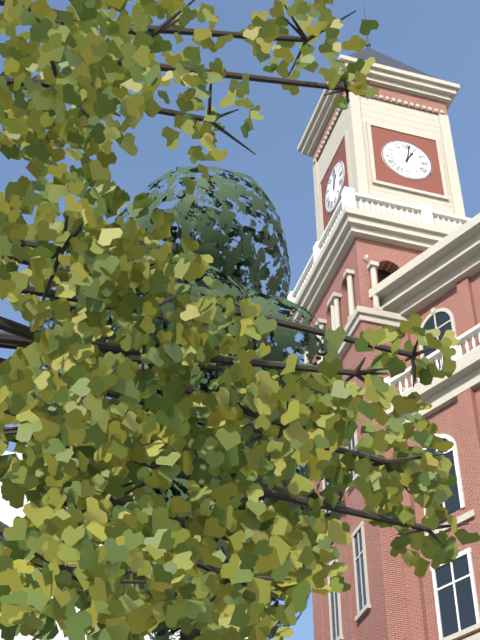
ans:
**1:02**
